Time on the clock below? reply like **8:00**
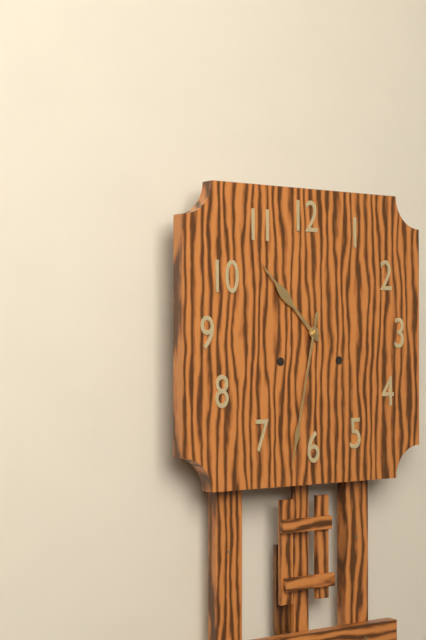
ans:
**10:32**
